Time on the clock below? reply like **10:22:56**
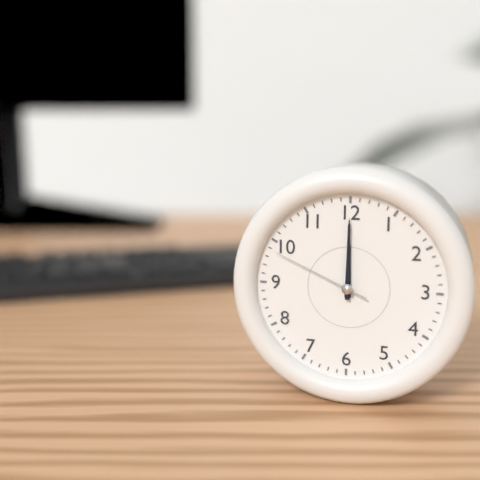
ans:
**12:00:49**
